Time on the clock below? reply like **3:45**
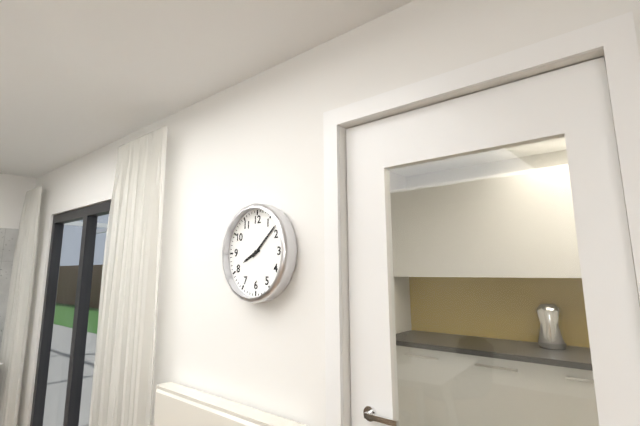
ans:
**8:08**
